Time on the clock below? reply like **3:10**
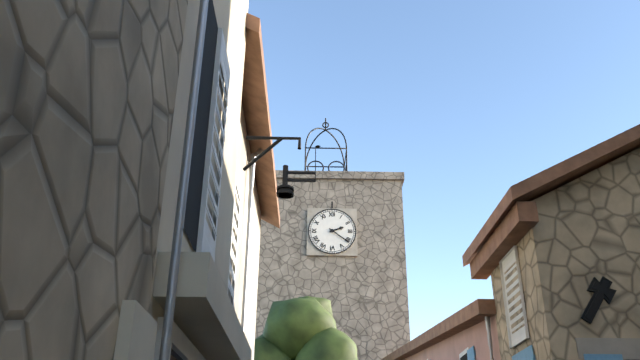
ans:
**2:21**
